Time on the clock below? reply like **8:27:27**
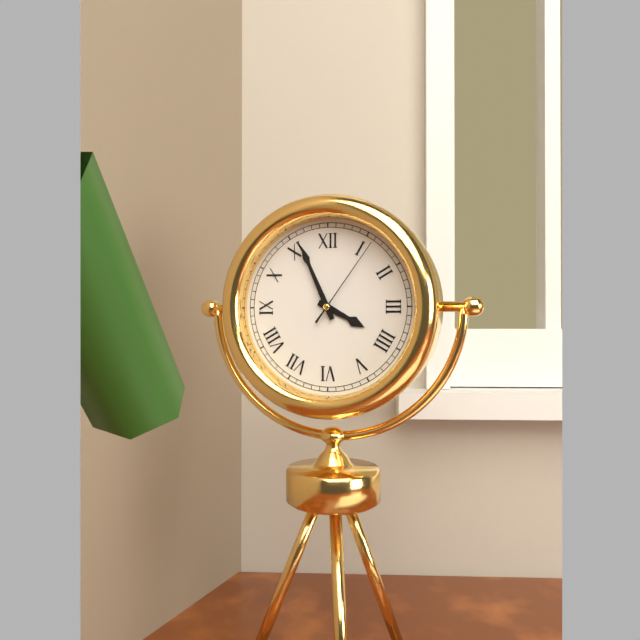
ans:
**3:56:06**
